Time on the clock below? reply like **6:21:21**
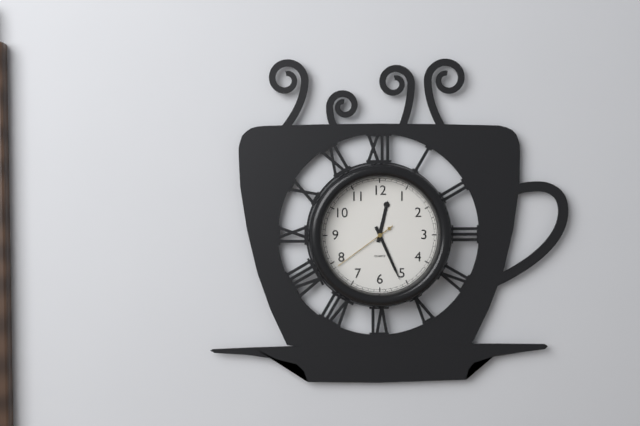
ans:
**12:26:39**
